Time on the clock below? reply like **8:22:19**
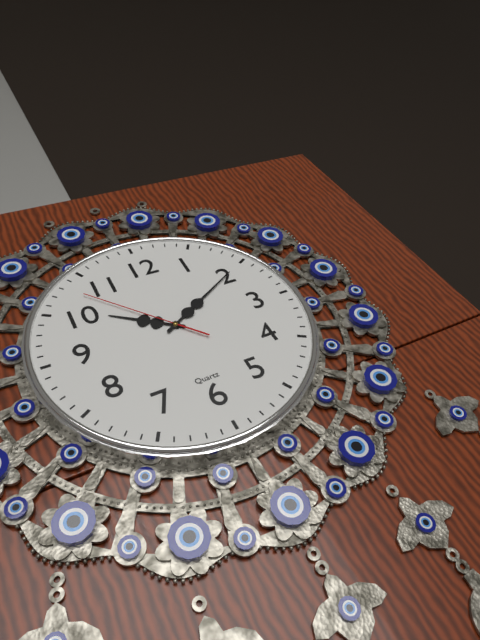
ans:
**10:10:53**
